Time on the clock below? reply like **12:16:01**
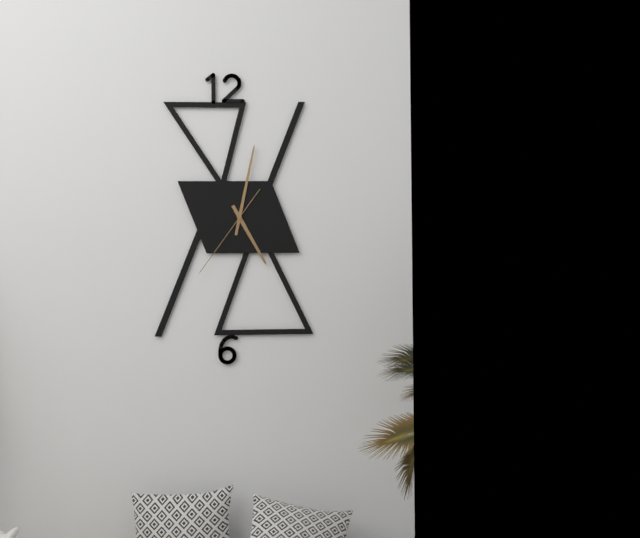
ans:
**5:02:36**
